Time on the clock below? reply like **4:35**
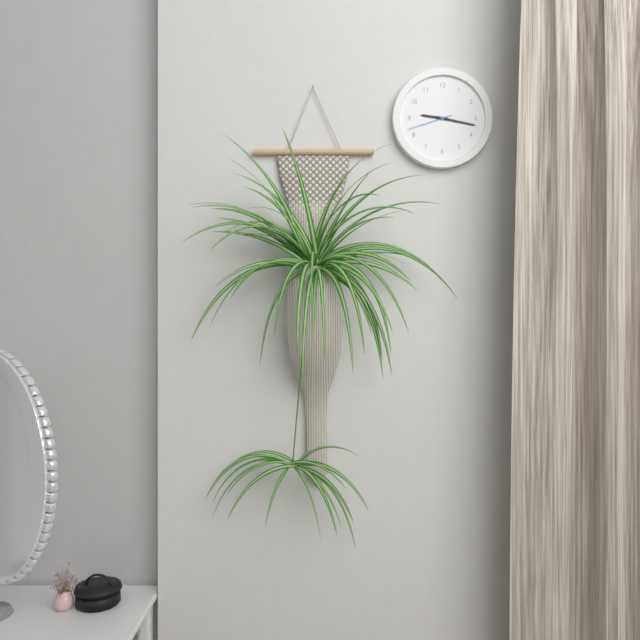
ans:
**9:17**
